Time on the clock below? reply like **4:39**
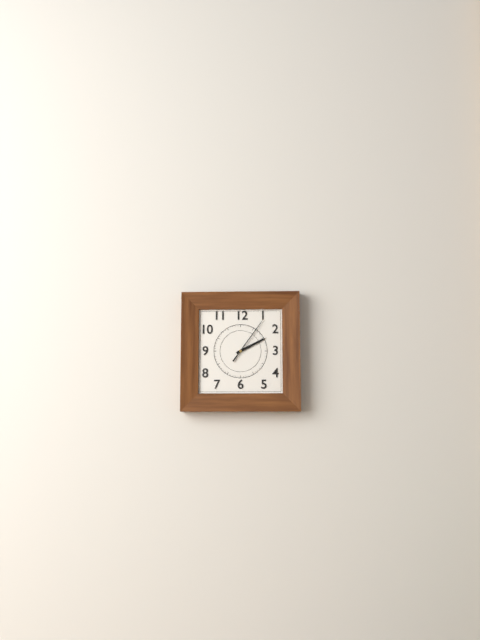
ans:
**2:06**
